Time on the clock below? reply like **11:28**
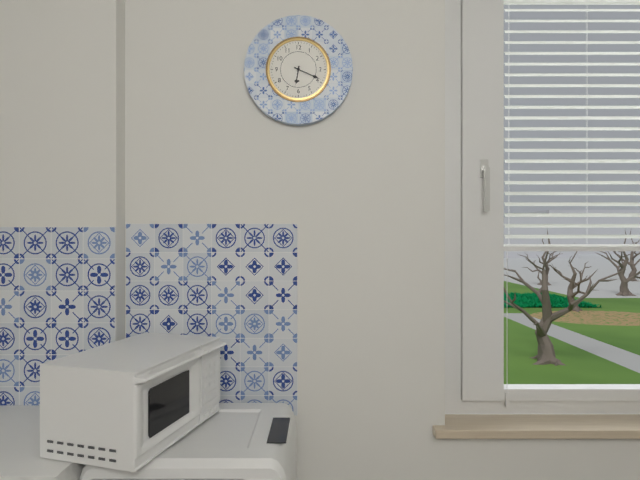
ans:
**6:19**
